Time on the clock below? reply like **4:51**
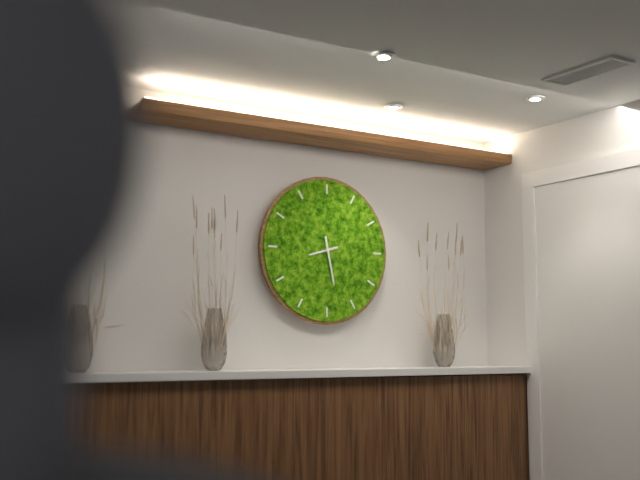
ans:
**8:28**
